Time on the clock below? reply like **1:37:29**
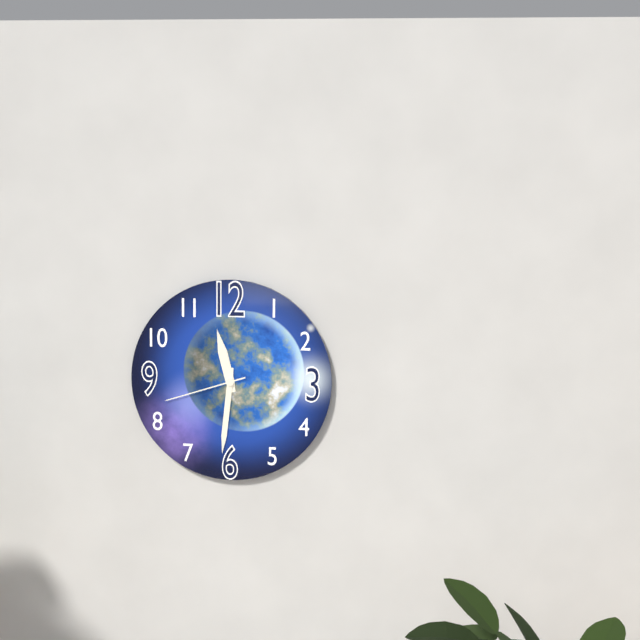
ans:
**11:31:42**
